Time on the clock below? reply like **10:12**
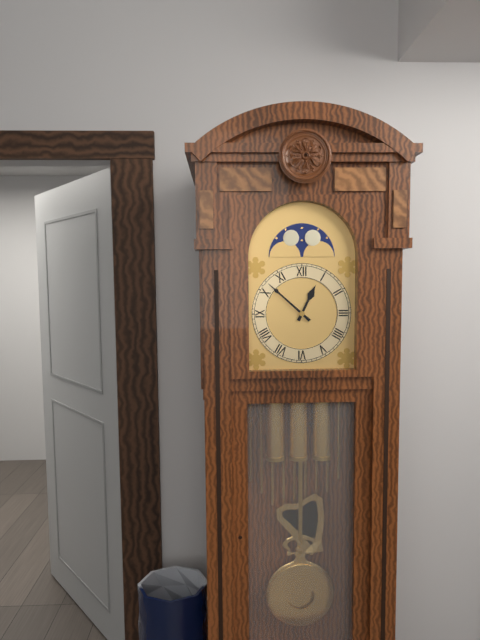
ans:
**12:52**
